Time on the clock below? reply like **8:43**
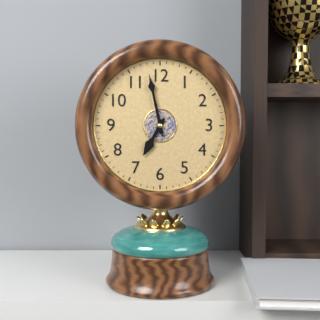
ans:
**6:58**
